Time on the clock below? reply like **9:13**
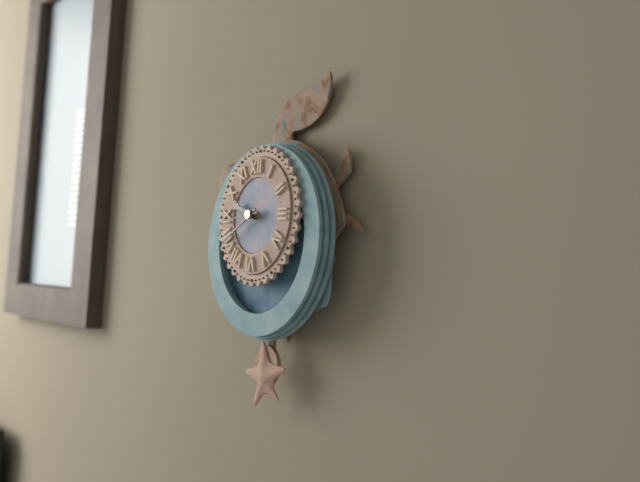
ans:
**9:40**
